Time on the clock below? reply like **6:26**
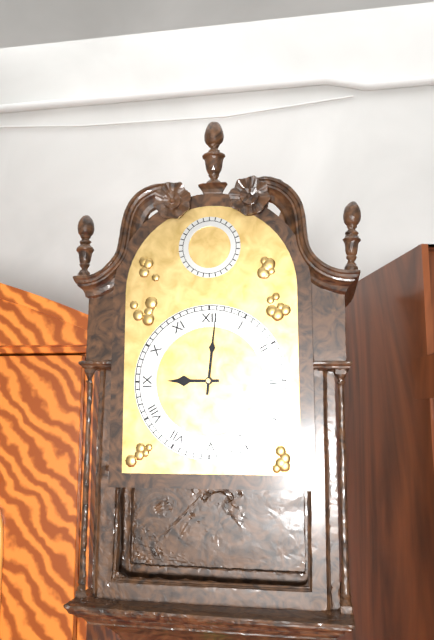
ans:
**9:01**
